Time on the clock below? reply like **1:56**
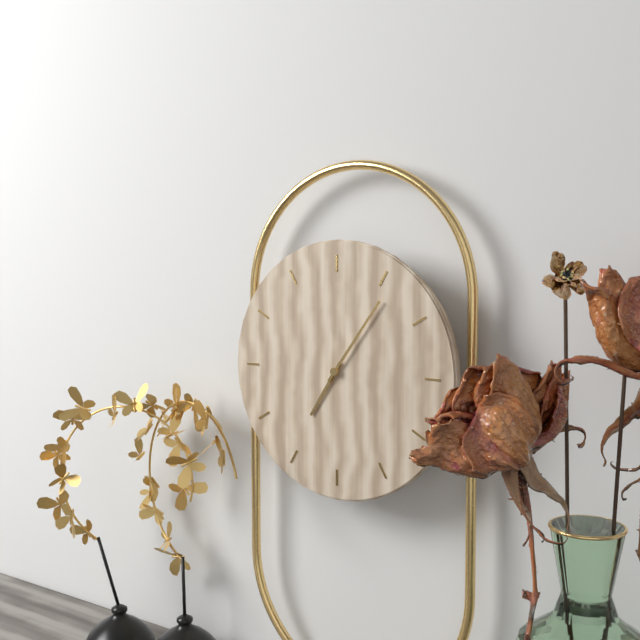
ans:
**7:06**
